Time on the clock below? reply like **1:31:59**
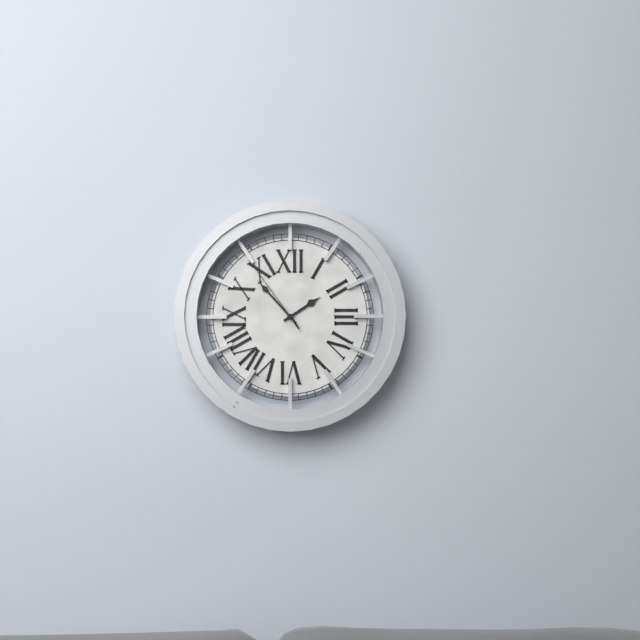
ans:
**1:53:54**
